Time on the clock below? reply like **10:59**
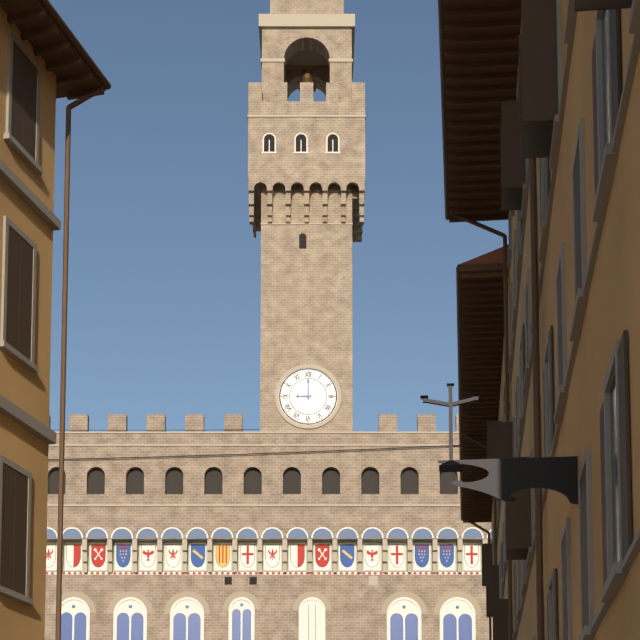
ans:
**9:00**
